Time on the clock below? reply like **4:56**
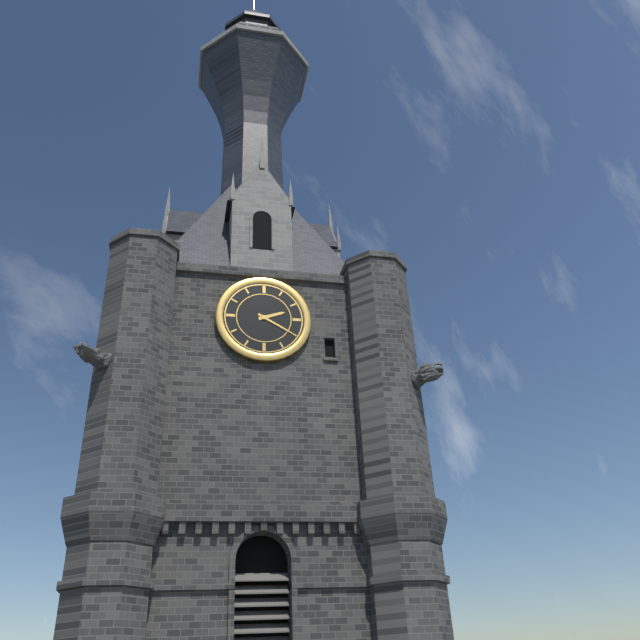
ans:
**2:20**
